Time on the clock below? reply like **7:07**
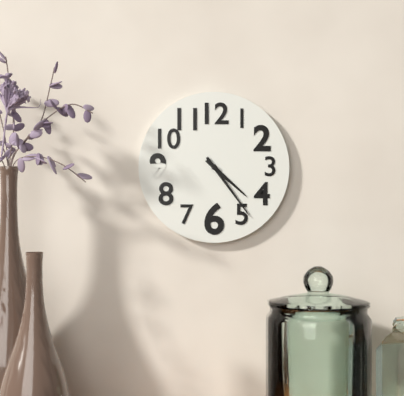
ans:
**4:24**
